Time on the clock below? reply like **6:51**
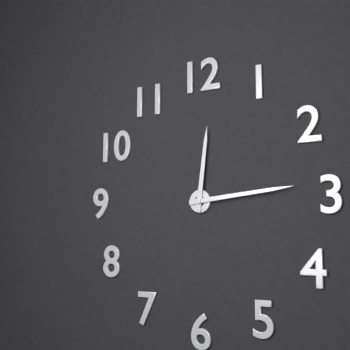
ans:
**12:14**
